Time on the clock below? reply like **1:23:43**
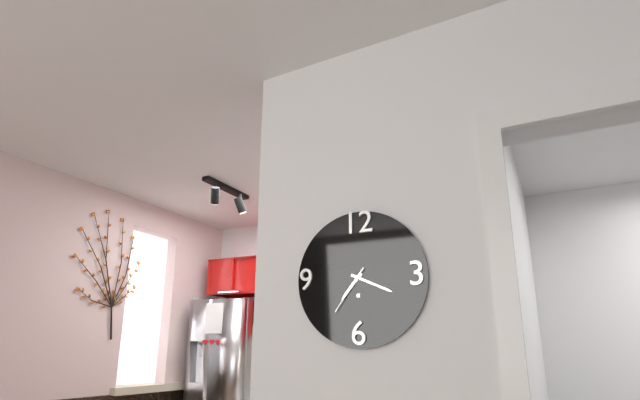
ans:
**7:19:36**
